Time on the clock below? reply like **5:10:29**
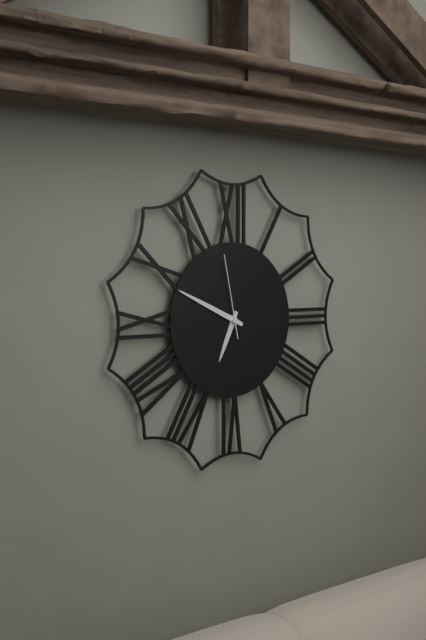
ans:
**6:49:58**
